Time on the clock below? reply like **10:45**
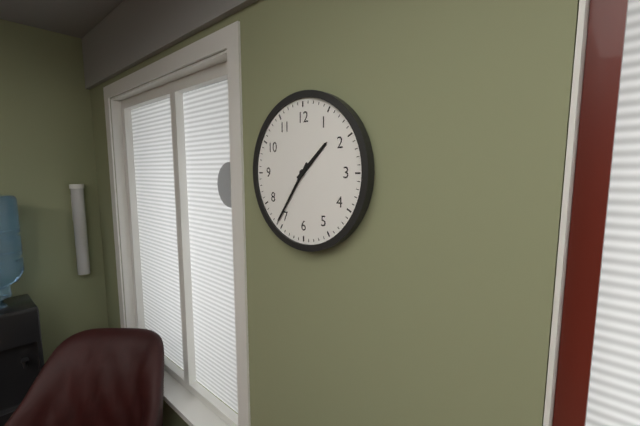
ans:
**1:36**
